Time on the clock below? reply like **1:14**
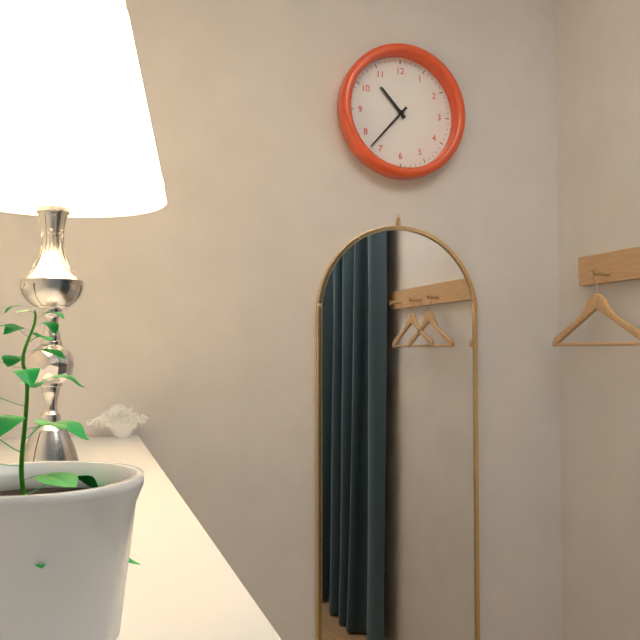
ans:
**10:37**
